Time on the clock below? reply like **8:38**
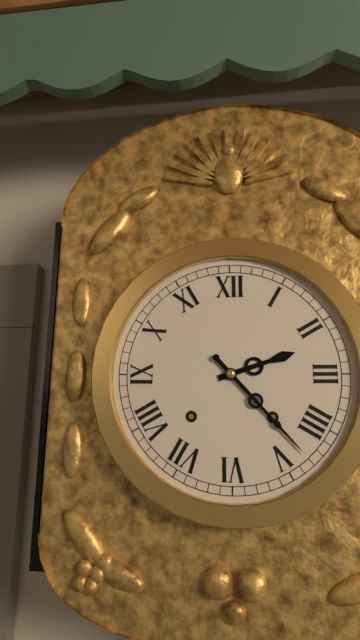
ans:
**2:23**
